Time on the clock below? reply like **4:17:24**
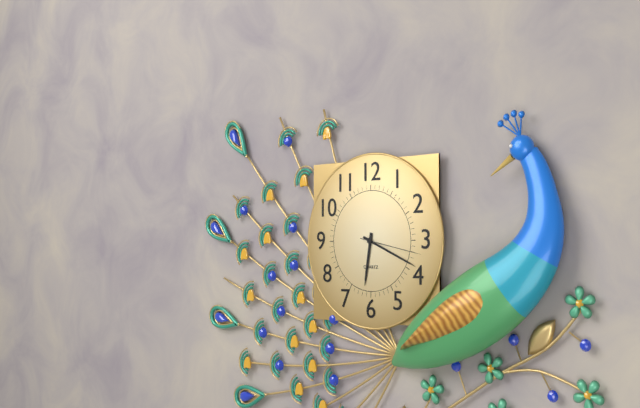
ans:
**6:19:17**
